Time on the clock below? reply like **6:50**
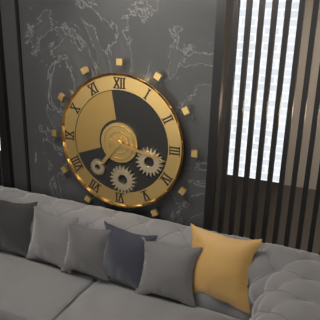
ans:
**7:17**
